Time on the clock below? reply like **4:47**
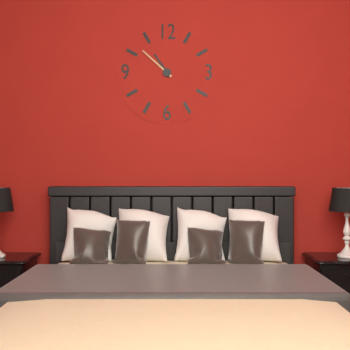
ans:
**10:52**
